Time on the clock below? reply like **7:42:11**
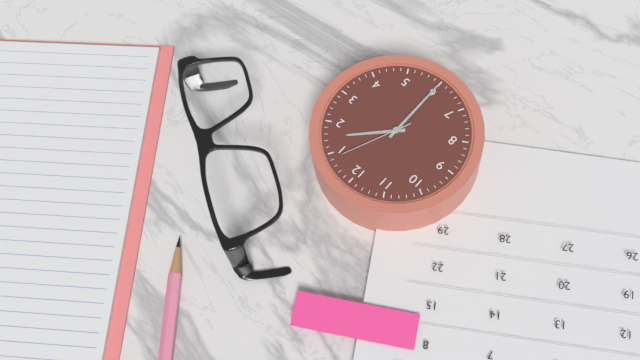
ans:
**1:30:04**
